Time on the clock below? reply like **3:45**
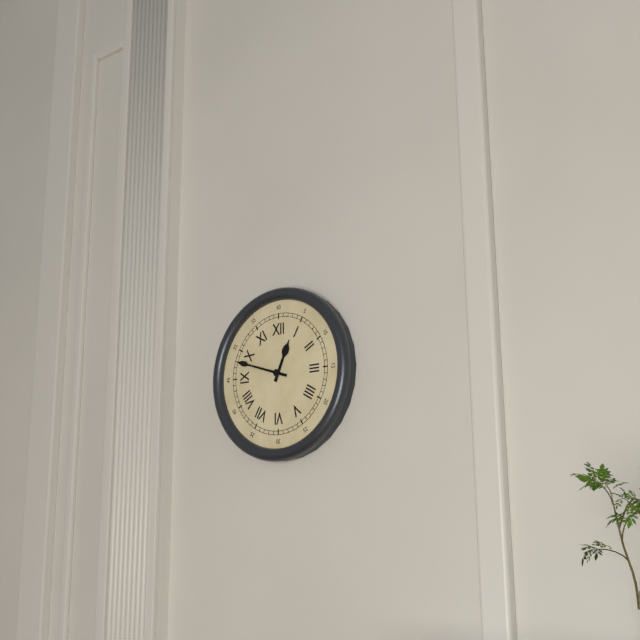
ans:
**12:48**
